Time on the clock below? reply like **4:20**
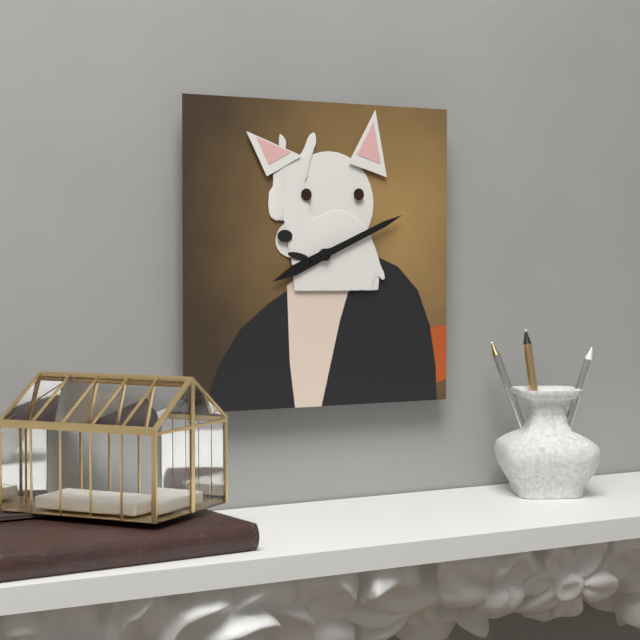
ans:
**8:11**
